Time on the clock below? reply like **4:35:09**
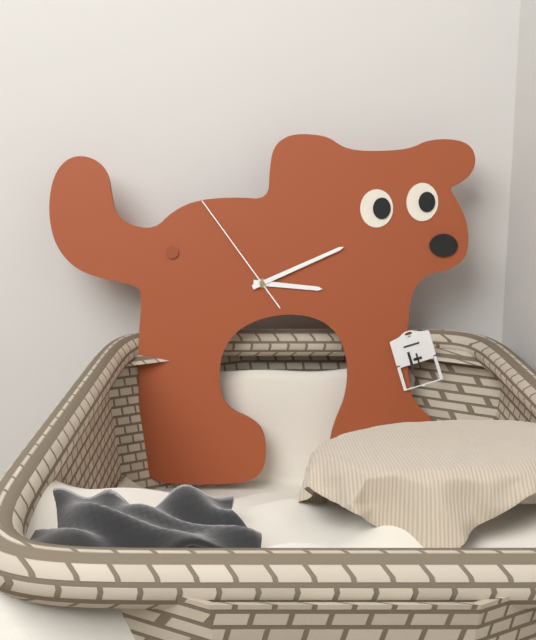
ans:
**3:11:54**
